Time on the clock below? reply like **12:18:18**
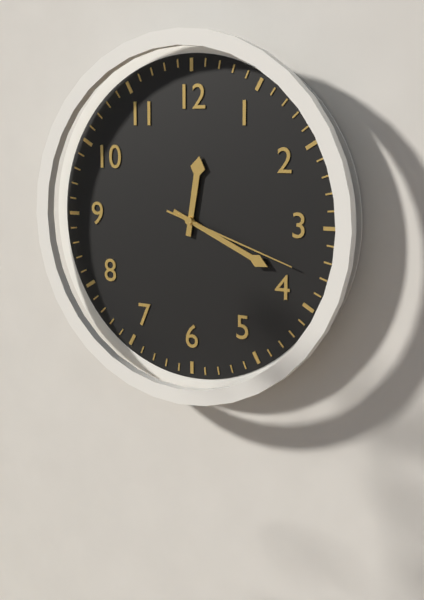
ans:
**12:19:18**
